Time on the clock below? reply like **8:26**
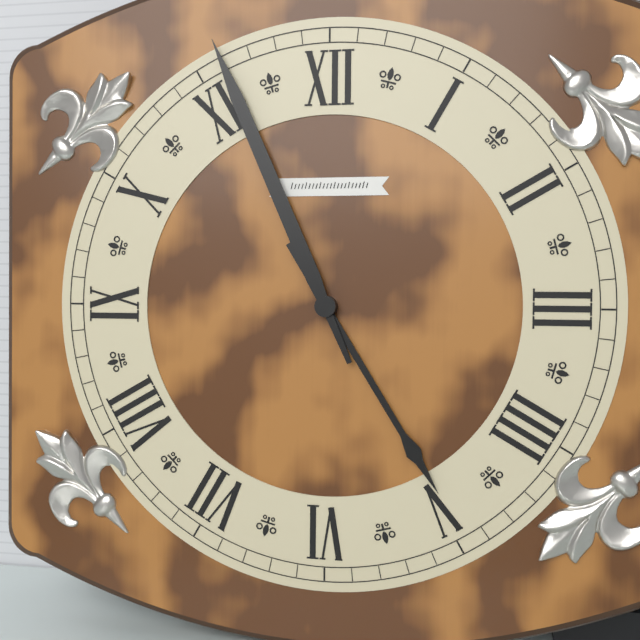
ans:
**4:56**
